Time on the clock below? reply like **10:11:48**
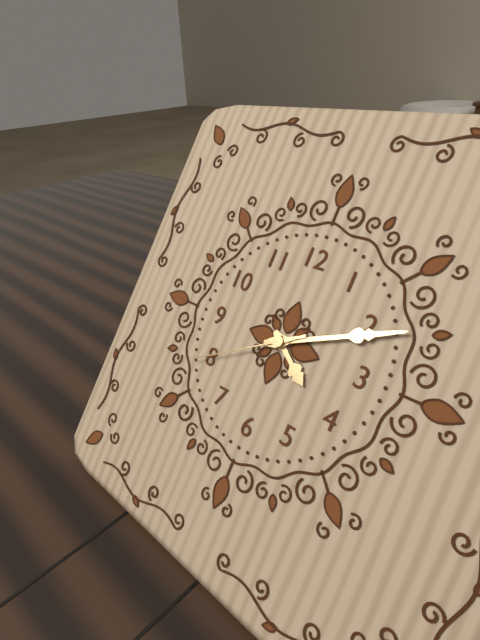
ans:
**4:11:40**
